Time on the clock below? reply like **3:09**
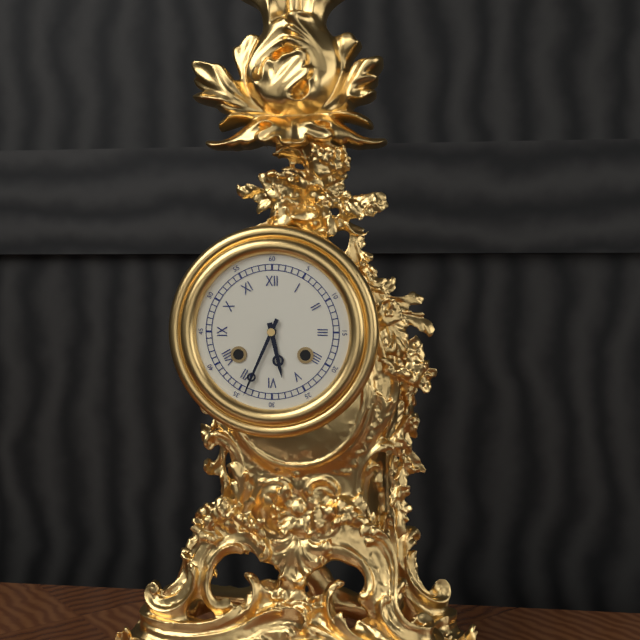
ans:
**5:34**
